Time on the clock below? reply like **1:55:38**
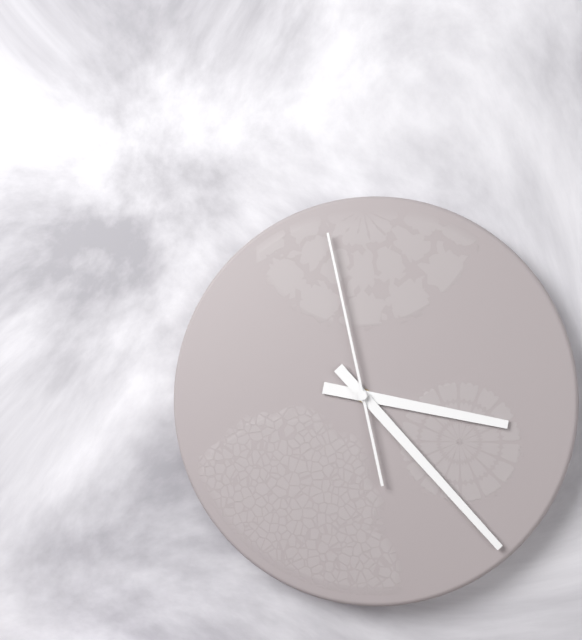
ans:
**3:23:58**
